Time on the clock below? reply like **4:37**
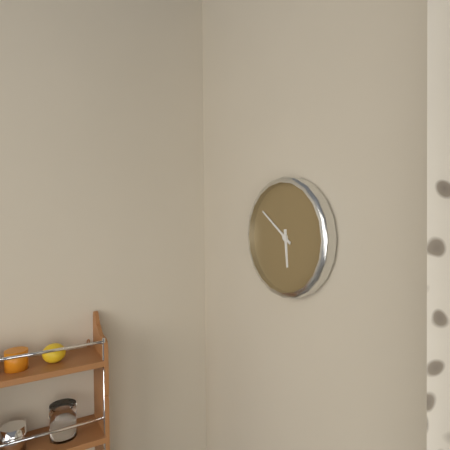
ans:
**5:51**
